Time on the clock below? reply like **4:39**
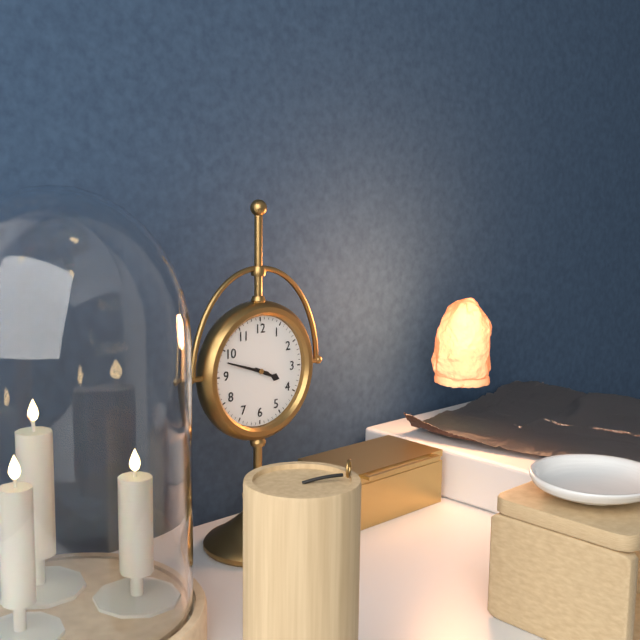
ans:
**3:48**
